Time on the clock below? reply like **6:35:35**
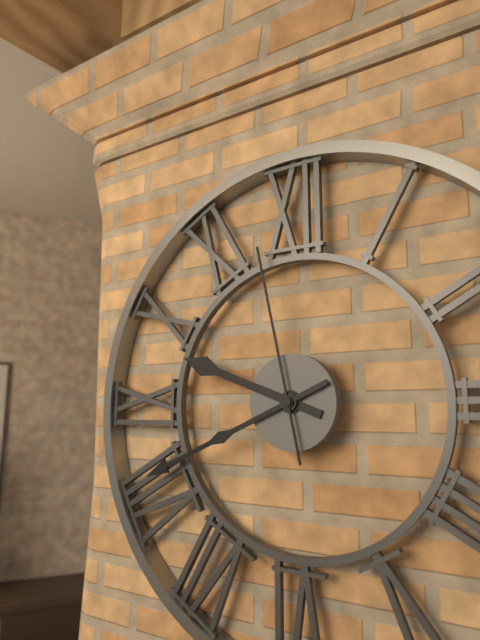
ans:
**9:41:58**
